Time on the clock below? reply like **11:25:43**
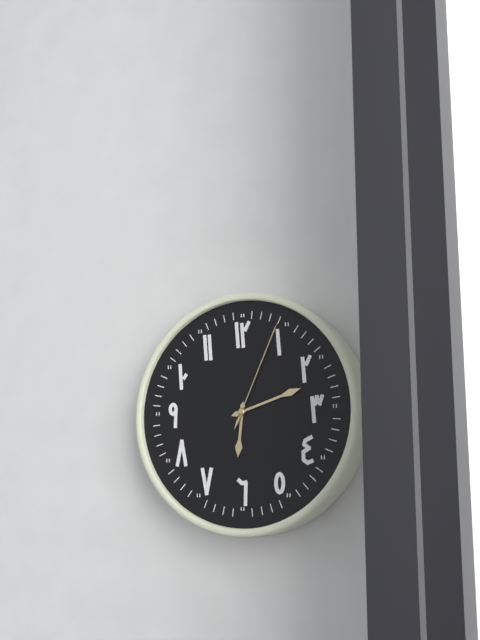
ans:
**6:12:04**
